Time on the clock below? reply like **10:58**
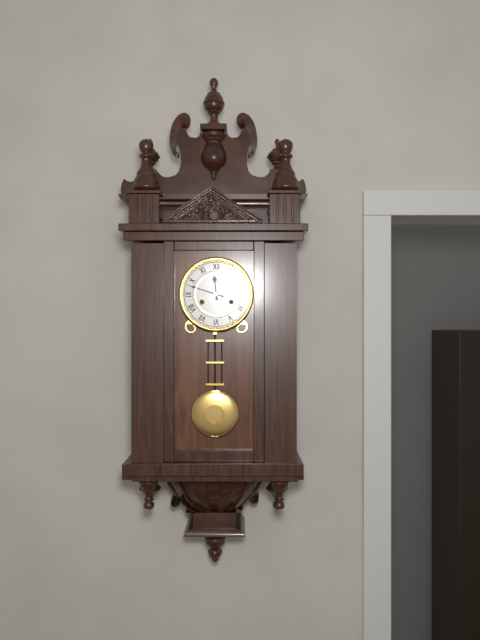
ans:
**11:48**
